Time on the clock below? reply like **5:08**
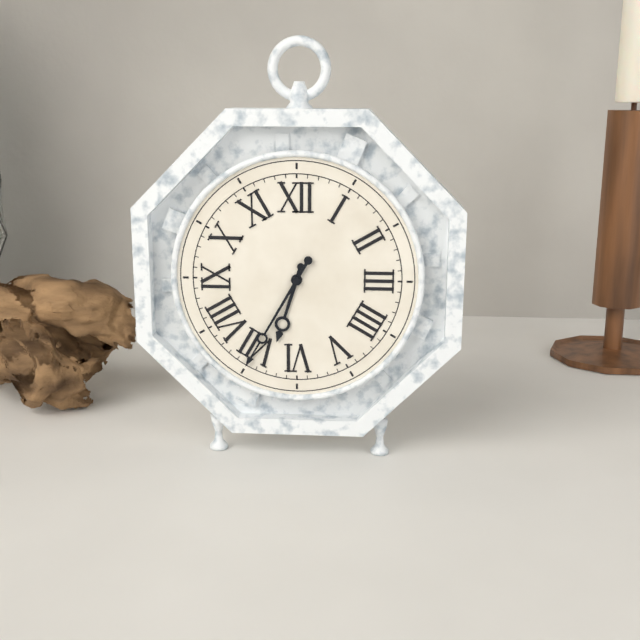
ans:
**6:35**
